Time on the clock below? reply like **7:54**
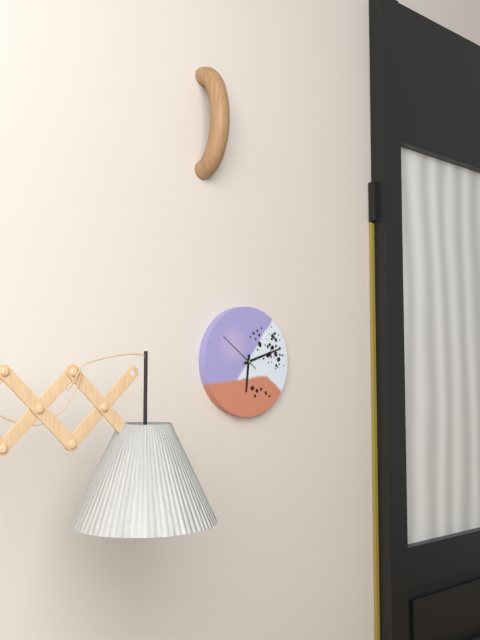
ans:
**6:12**
